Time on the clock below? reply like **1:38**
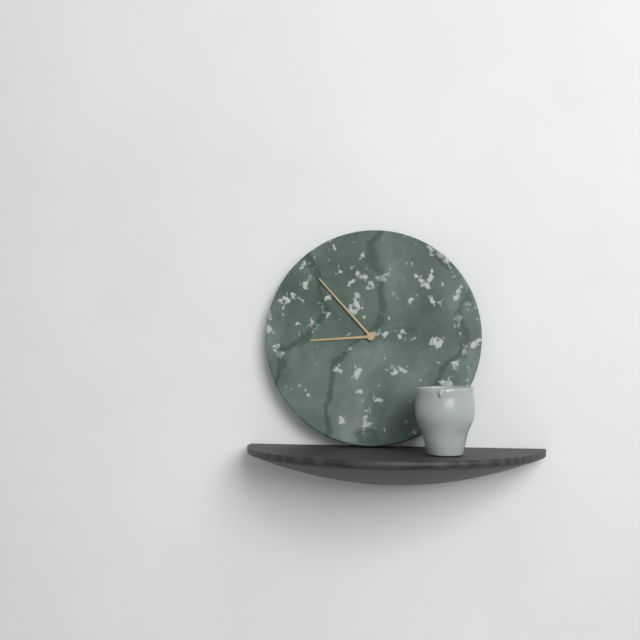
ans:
**8:53**
